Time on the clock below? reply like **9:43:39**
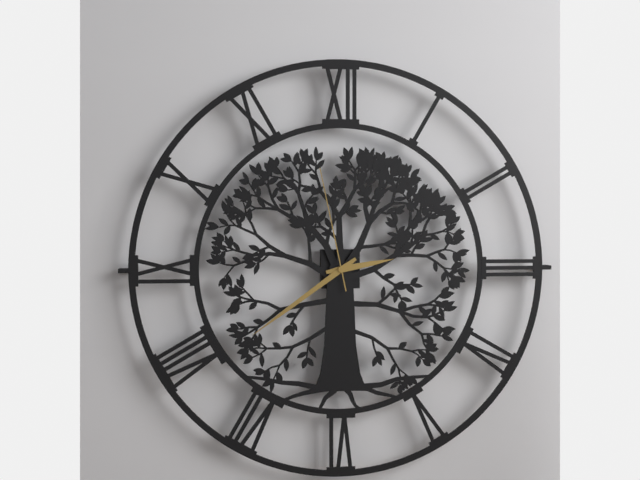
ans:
**2:39:58**
